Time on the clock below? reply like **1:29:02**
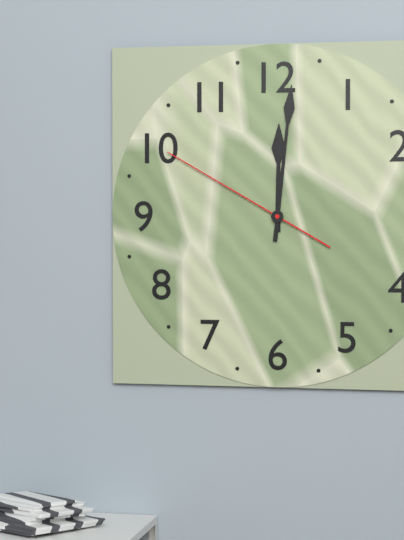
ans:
**12:01:50**
